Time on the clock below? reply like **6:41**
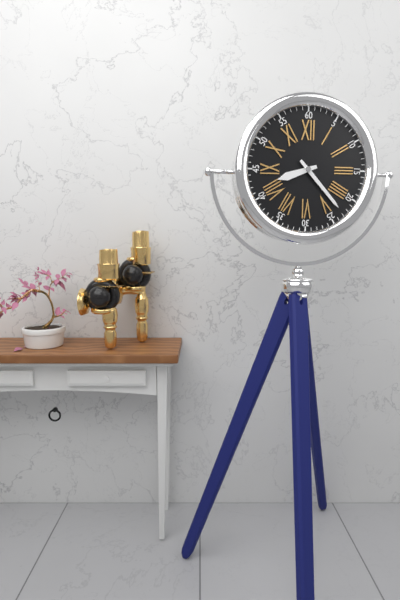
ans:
**8:23**
